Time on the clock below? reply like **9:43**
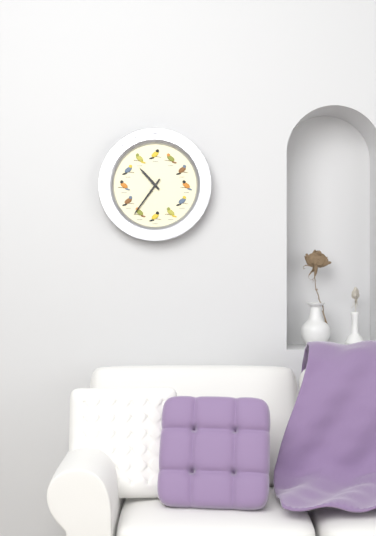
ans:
**10:36**
